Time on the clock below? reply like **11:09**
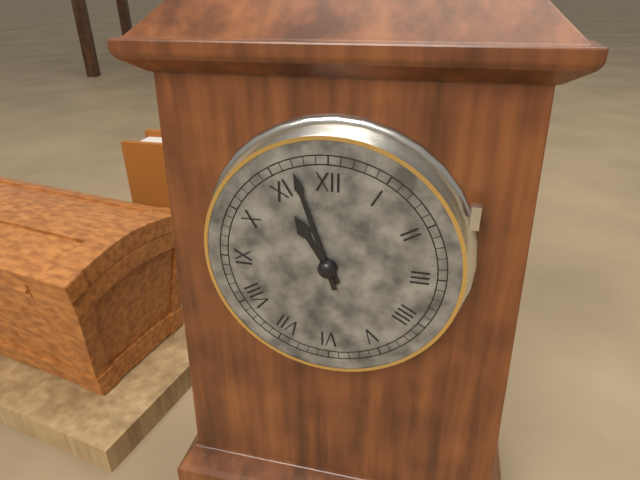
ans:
**10:57**
